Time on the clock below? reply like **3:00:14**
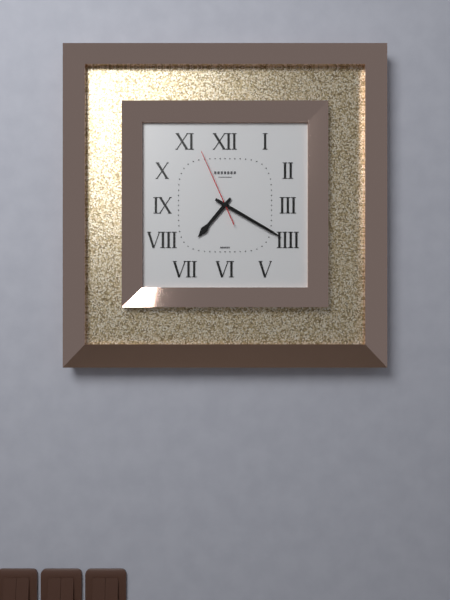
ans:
**7:20:56**
